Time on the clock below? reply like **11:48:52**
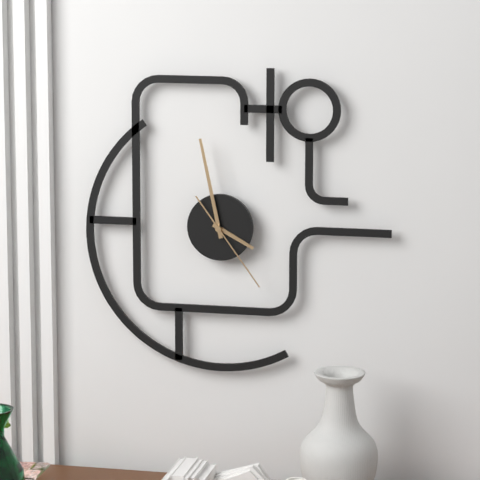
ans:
**3:58:24**
